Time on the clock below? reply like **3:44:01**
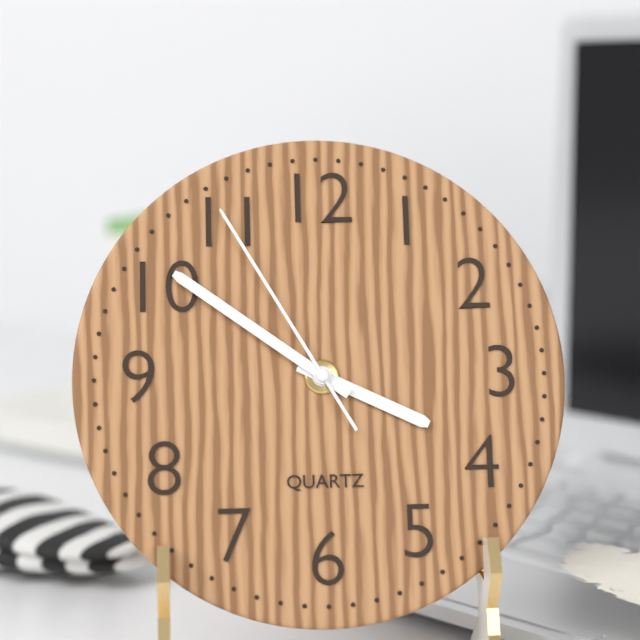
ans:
**3:51:55**
